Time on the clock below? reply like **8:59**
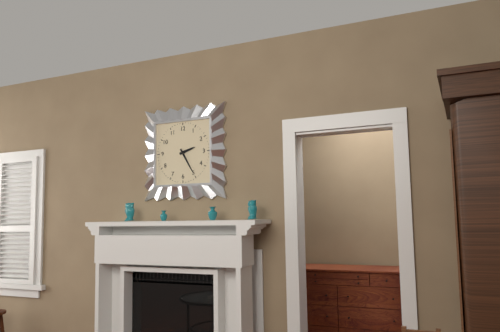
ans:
**2:25**
